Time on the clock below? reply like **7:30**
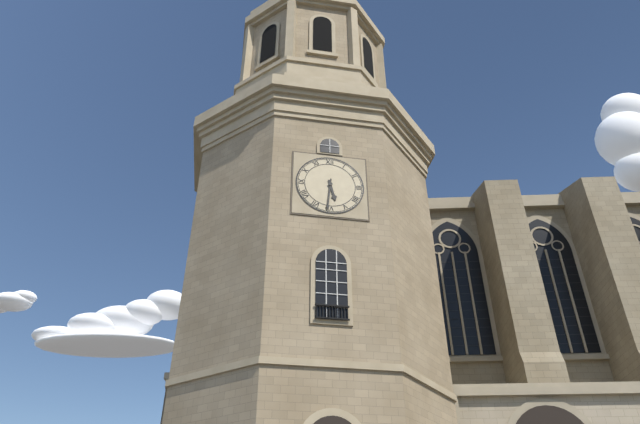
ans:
**5:31**
